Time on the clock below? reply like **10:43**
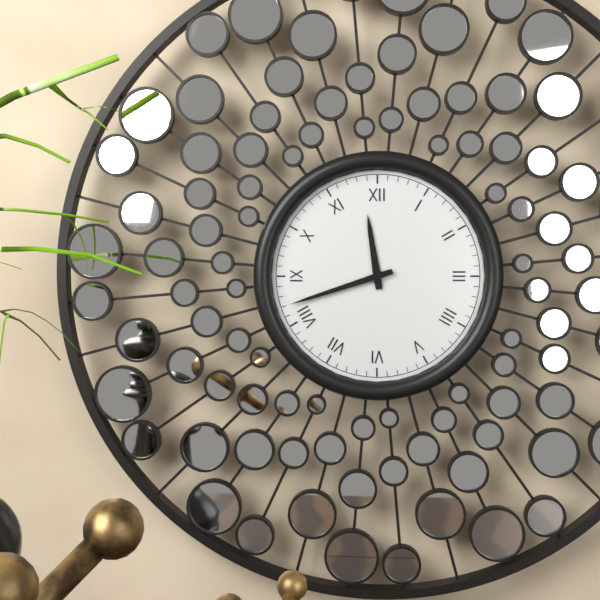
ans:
**11:42**
